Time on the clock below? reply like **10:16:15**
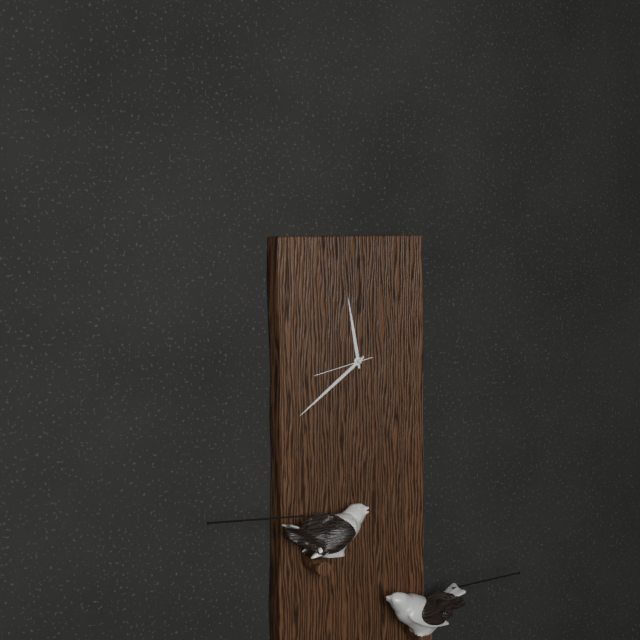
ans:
**11:39:43**
